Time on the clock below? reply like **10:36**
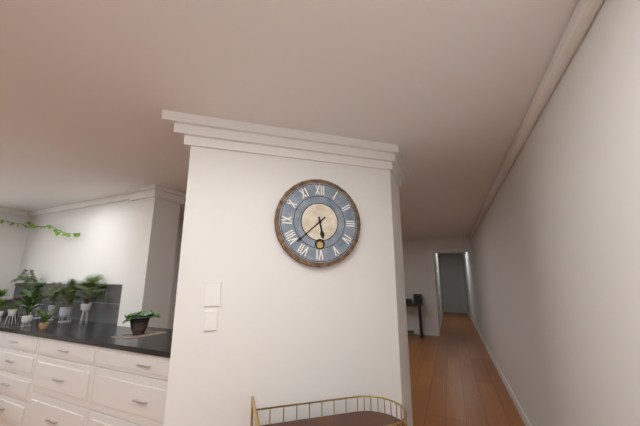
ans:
**5:38**
